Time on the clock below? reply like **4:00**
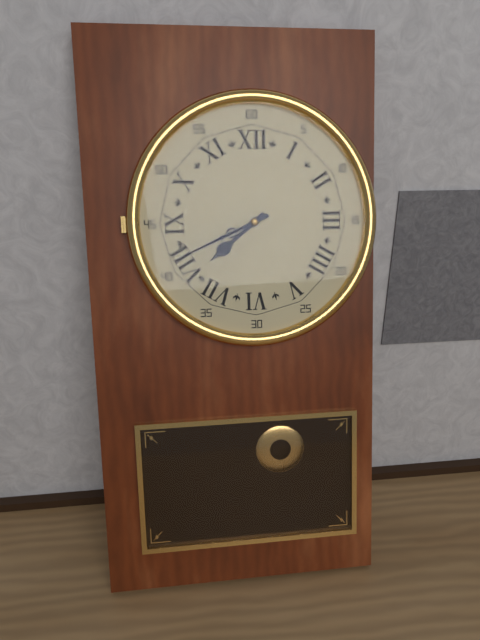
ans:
**7:41**
